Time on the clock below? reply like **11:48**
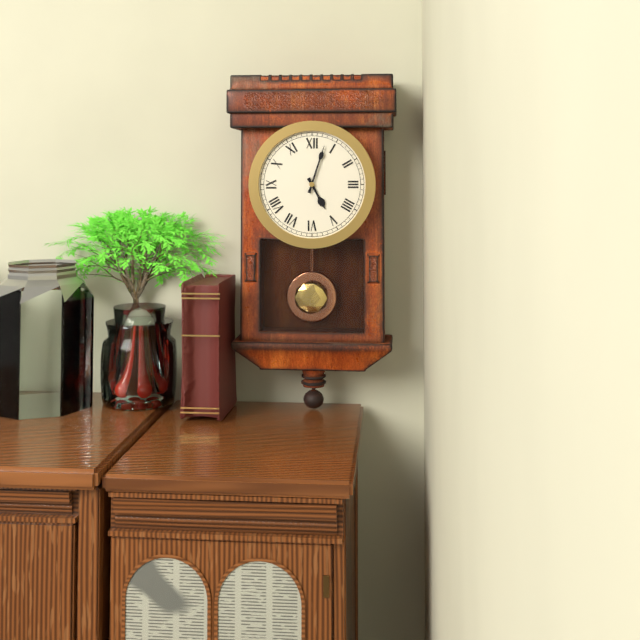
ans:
**5:03**
